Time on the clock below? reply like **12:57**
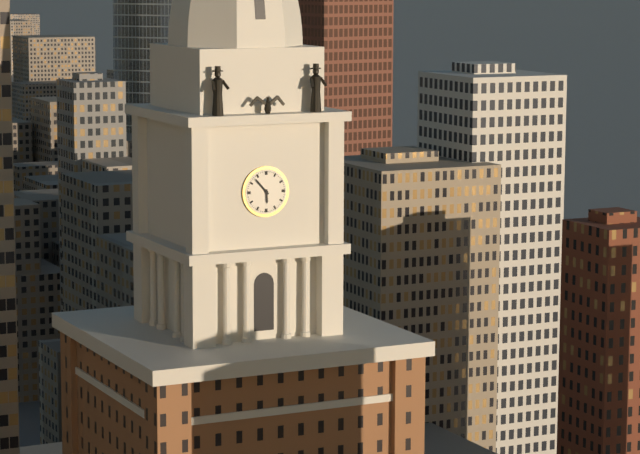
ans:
**5:53**
